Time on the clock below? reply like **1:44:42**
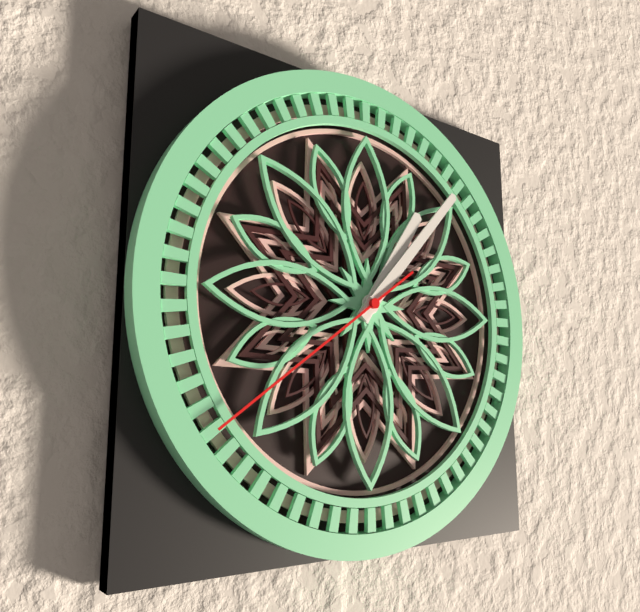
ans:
**1:07:39**
